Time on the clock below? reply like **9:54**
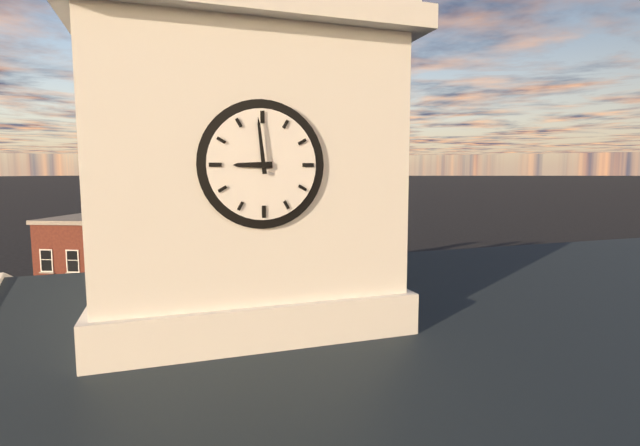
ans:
**8:59**
